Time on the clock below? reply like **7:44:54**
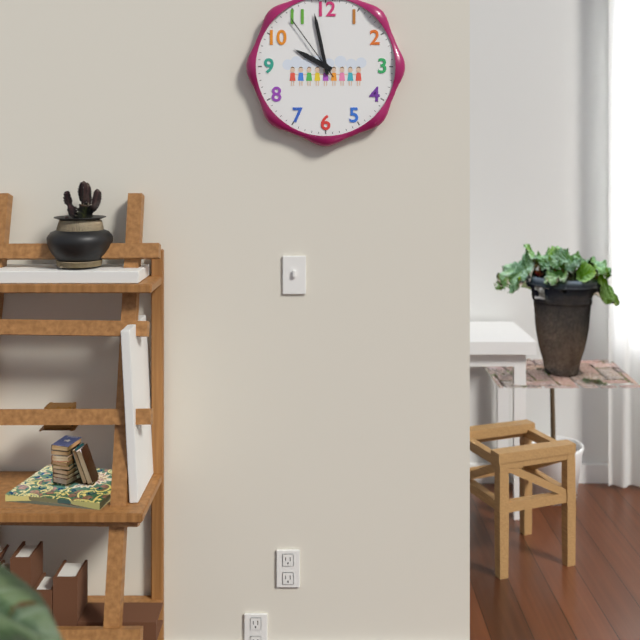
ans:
**9:58:54**
